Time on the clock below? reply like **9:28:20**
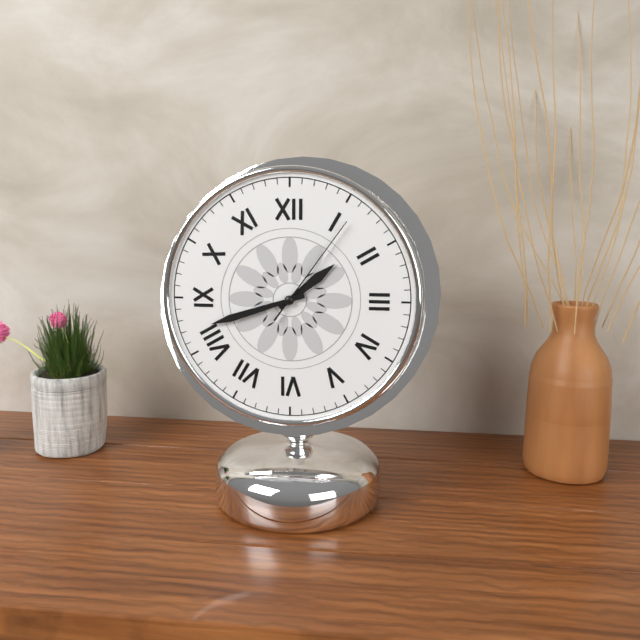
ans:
**1:42:06**
